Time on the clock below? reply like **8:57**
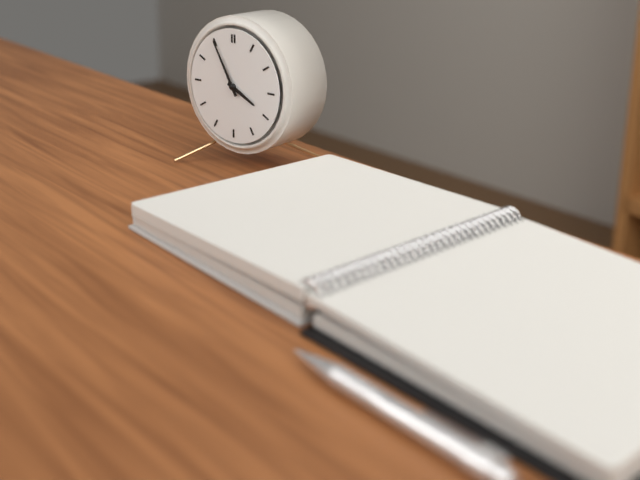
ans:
**3:55**
